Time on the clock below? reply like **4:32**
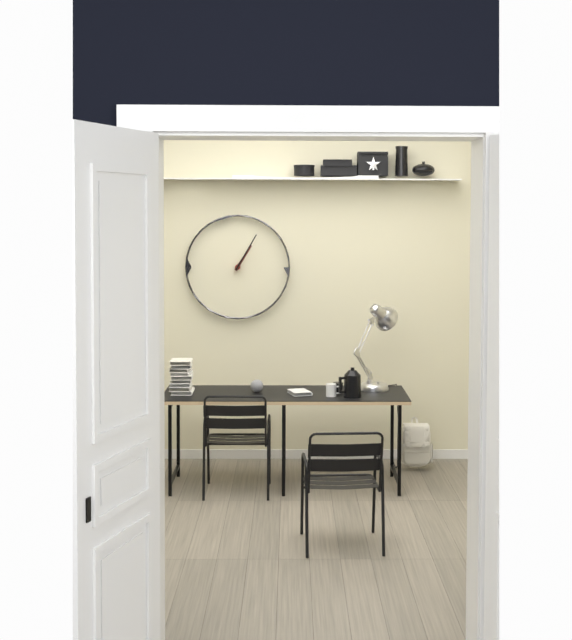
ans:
**1:05**
